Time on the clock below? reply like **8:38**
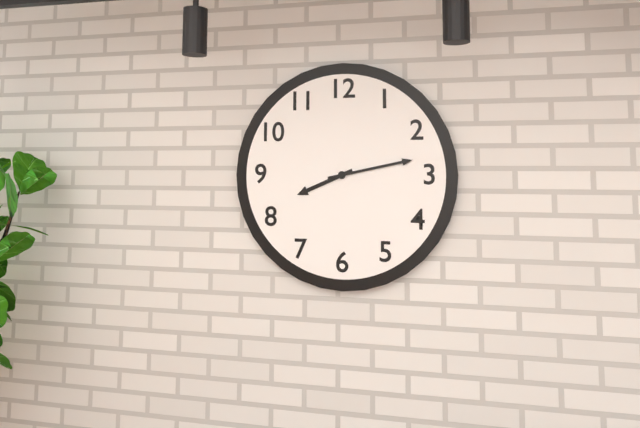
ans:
**8:13**
